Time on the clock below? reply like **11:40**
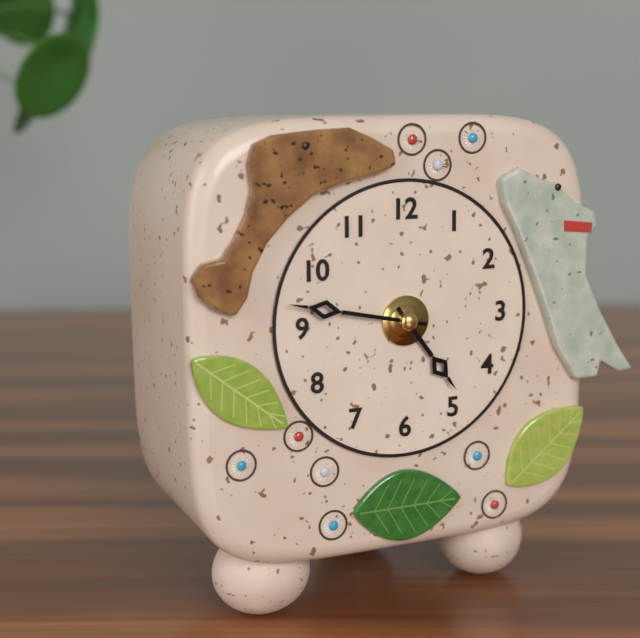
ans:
**4:47**
